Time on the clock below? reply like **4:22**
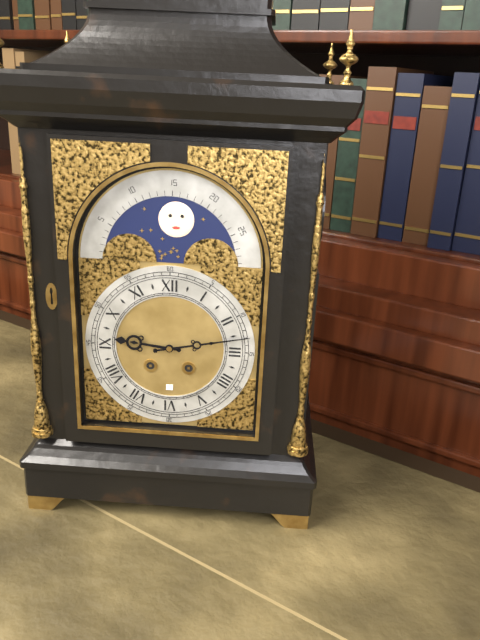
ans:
**9:13**
